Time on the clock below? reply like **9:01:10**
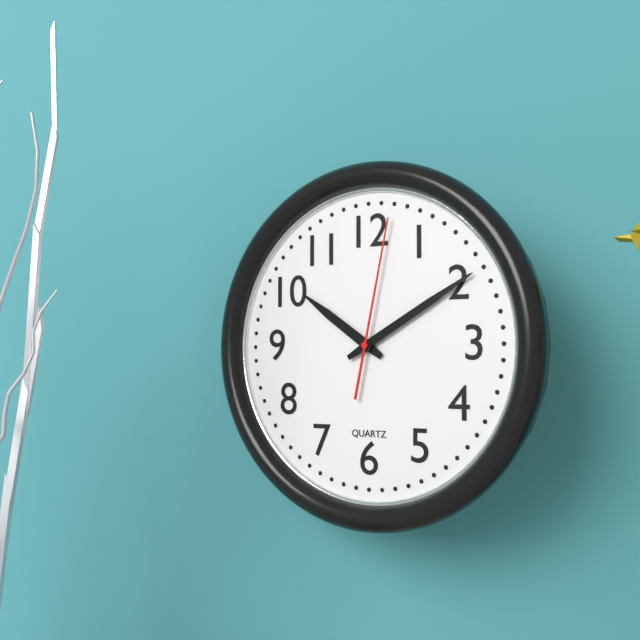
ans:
**10:10:02**
